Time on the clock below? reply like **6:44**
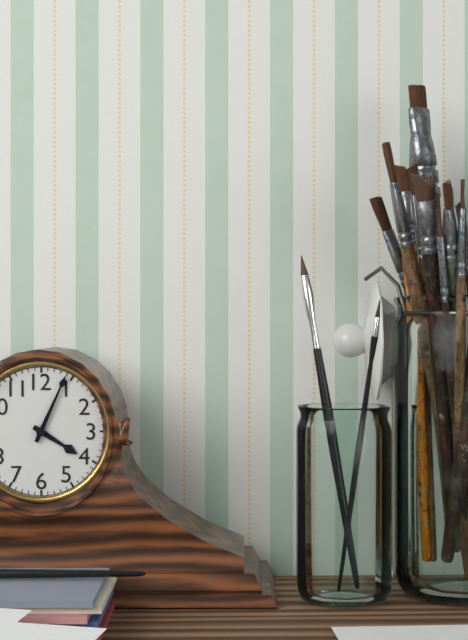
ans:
**4:04**
